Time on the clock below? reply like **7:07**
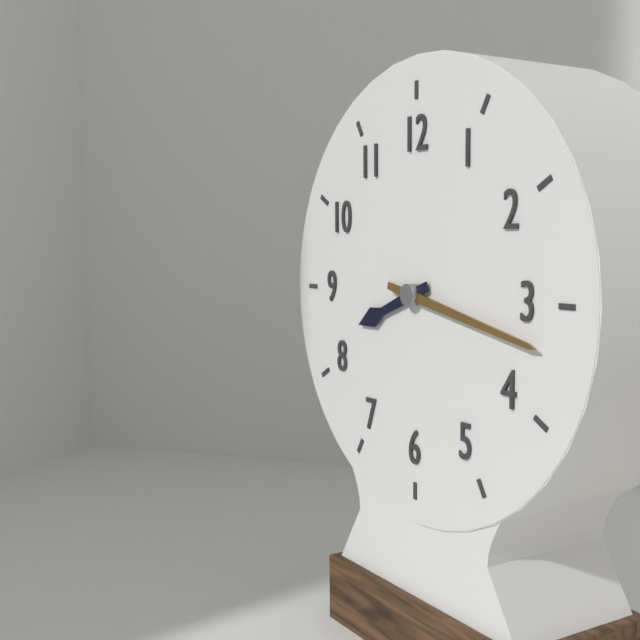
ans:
**8:17**
